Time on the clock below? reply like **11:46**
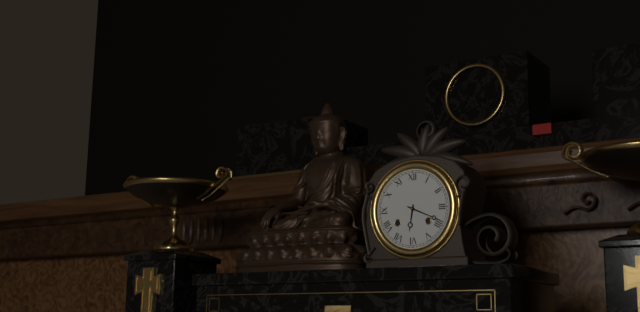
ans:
**6:19**
